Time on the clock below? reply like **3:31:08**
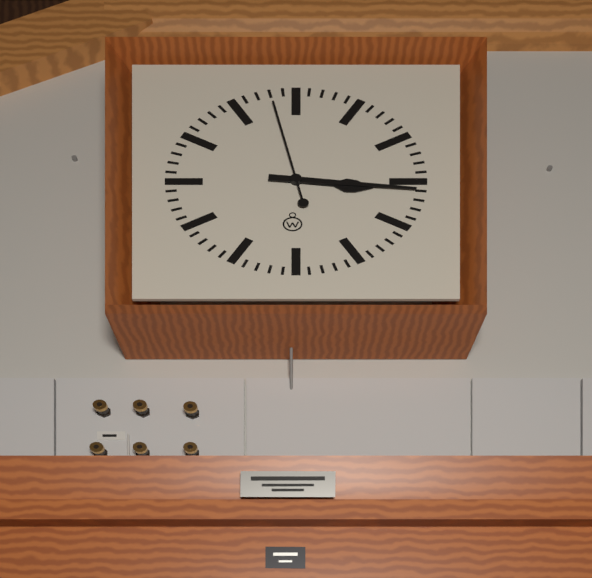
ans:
**3:16:58**
